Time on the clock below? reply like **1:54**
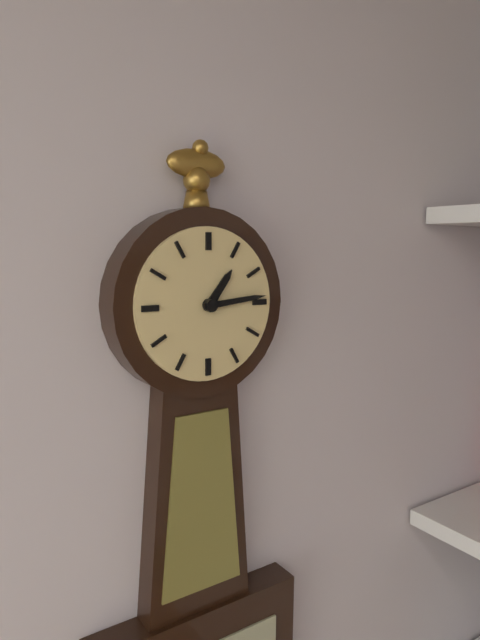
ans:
**1:14**
